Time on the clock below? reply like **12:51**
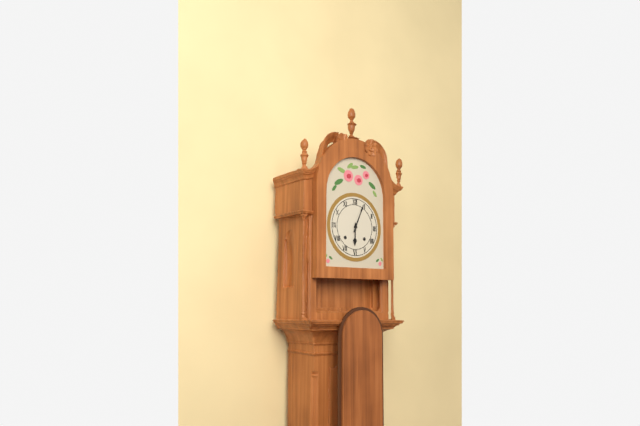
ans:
**6:04**
